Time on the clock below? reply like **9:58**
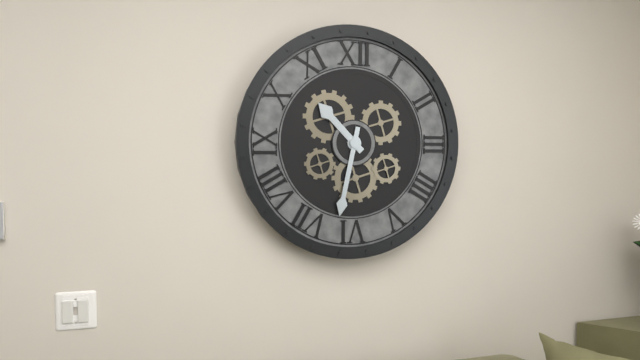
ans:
**10:32**
